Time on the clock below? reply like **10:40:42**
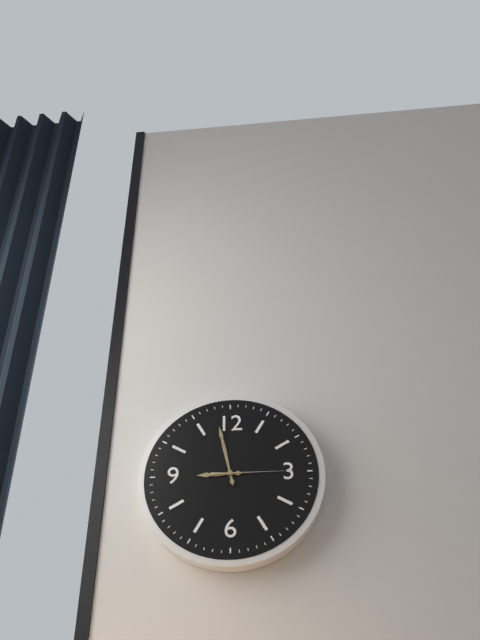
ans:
**8:58:15**
